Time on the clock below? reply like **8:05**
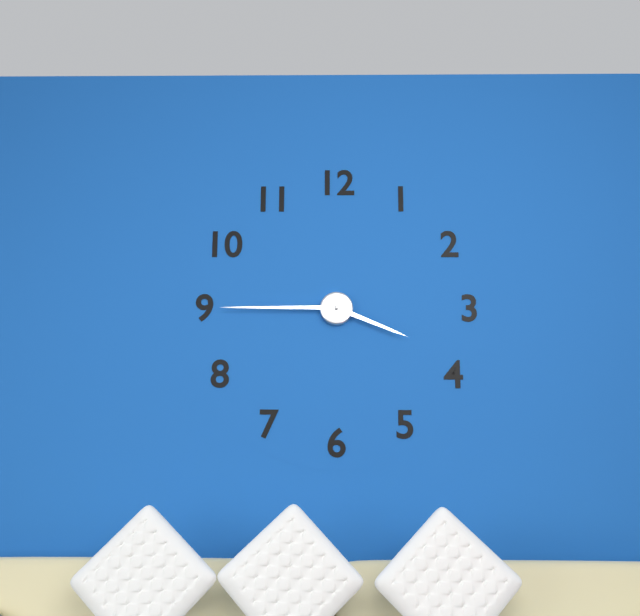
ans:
**3:45**
